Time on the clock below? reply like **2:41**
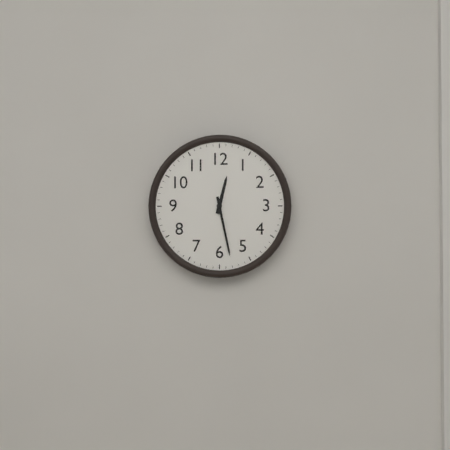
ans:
**12:28**
